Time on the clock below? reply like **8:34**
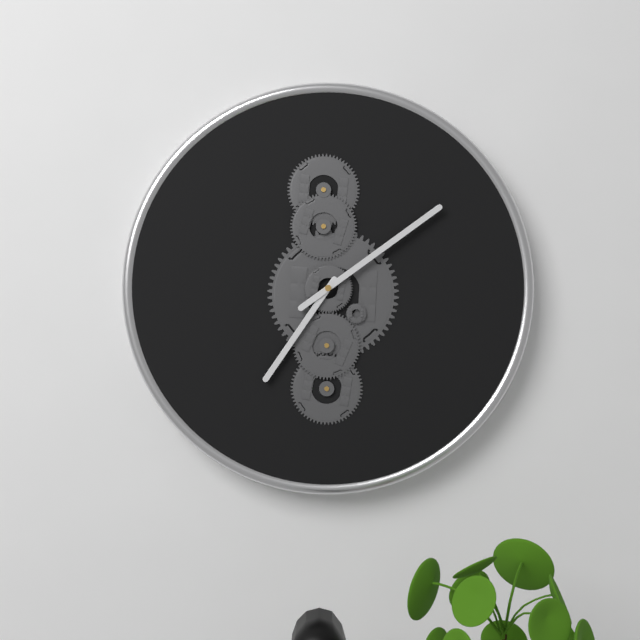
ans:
**7:09**
